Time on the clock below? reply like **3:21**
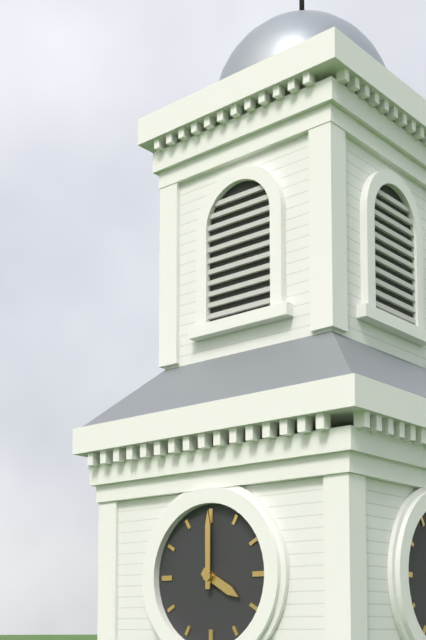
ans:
**4:00**
